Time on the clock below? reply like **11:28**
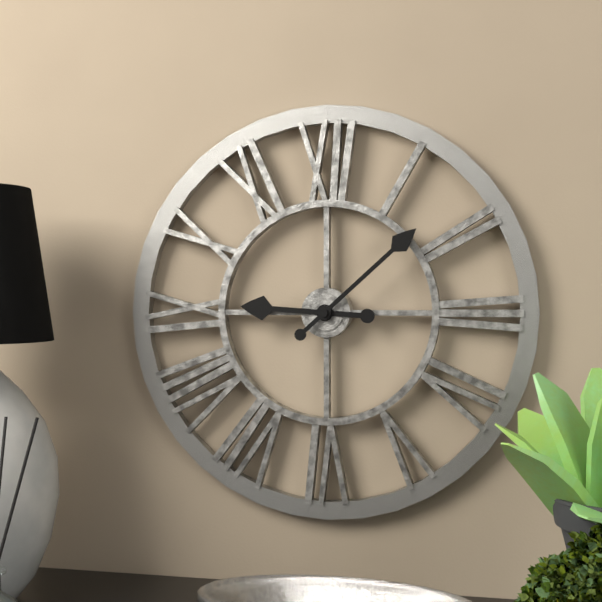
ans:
**9:08**
